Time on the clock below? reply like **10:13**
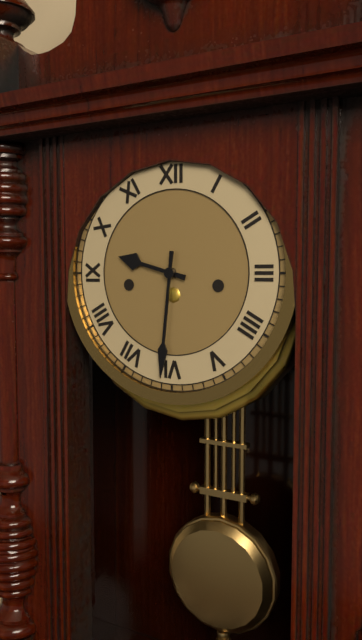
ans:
**9:31**
